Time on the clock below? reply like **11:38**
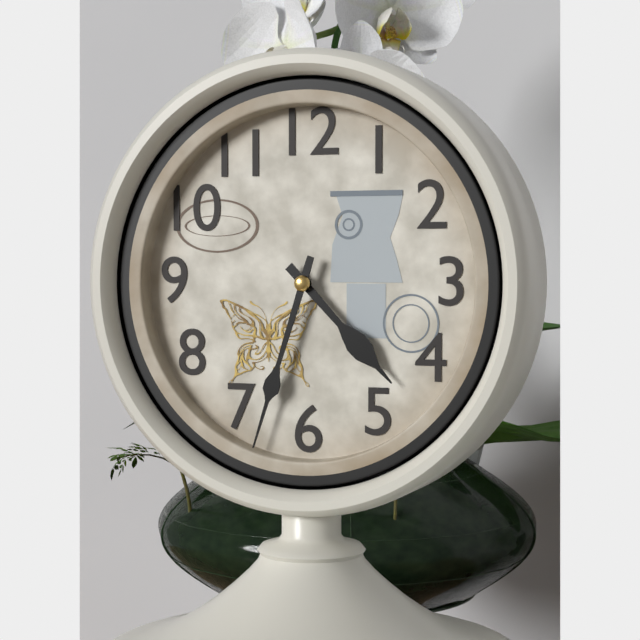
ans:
**4:33**
